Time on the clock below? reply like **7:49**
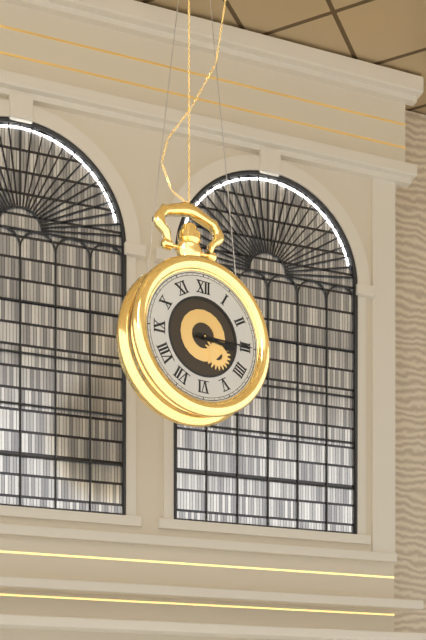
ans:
**3:15**
